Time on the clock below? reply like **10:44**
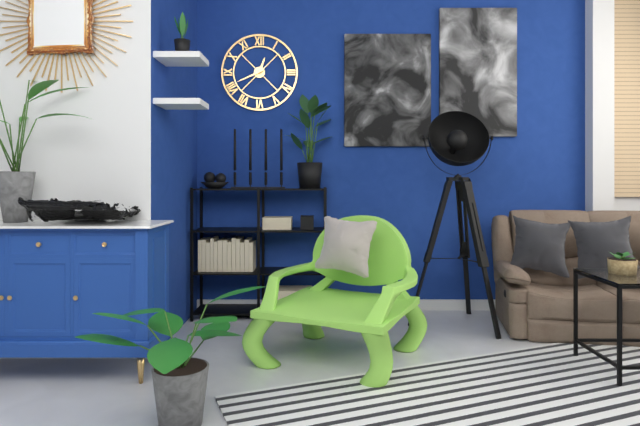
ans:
**12:41**
